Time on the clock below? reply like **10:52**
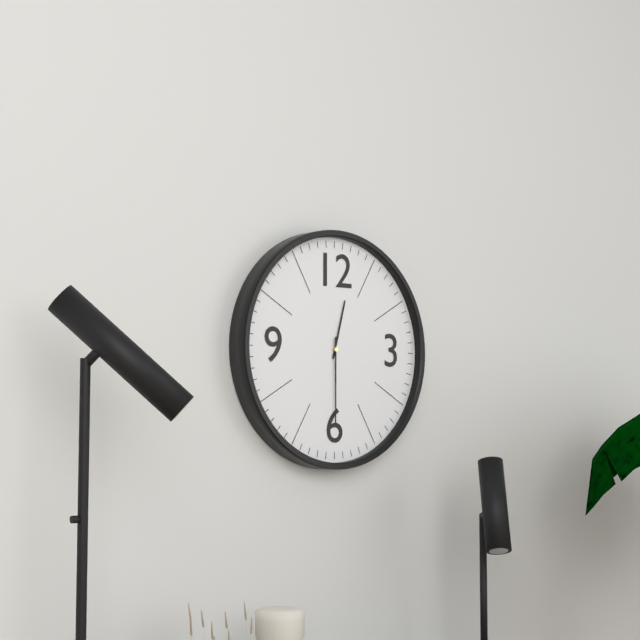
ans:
**12:30**
